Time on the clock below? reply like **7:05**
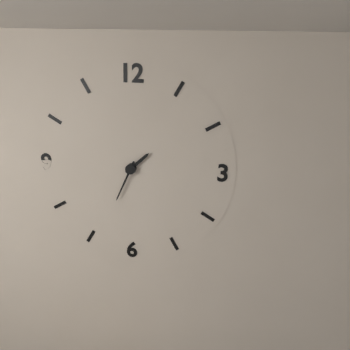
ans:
**1:34**
